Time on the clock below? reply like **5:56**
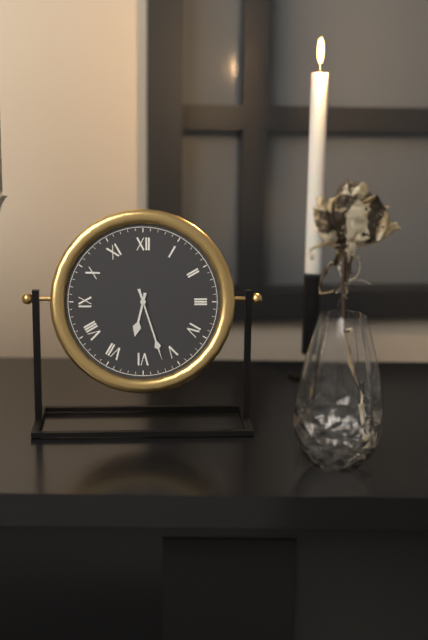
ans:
**6:27**
